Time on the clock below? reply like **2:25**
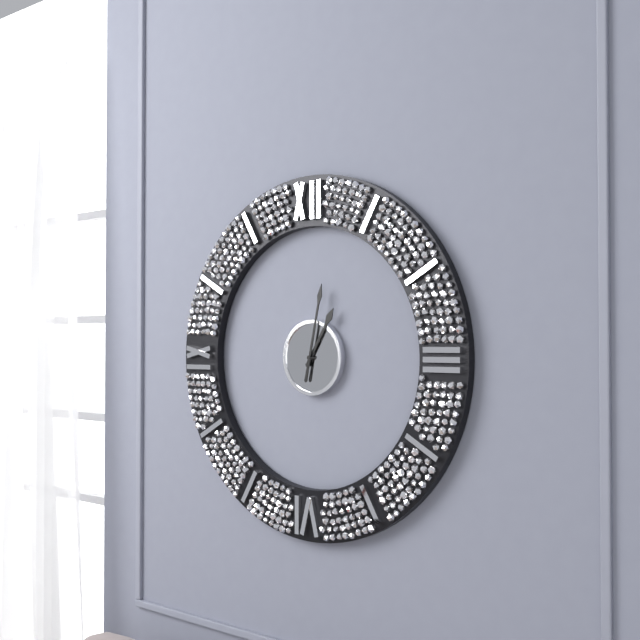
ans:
**1:02**
